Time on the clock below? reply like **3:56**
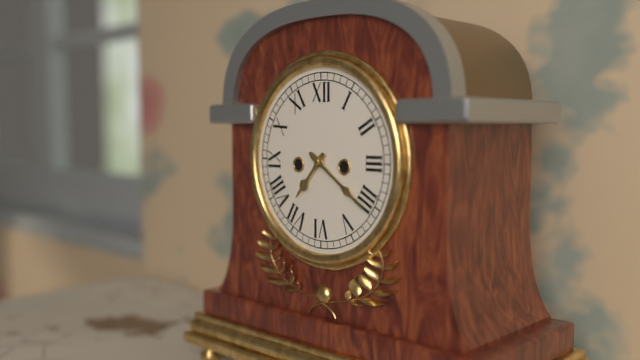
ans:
**7:21**
